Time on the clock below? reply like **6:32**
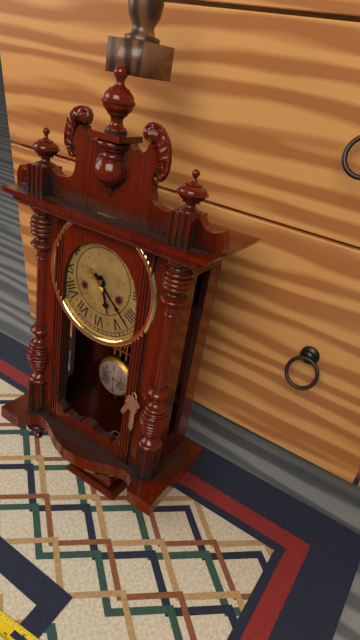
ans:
**5:22**
